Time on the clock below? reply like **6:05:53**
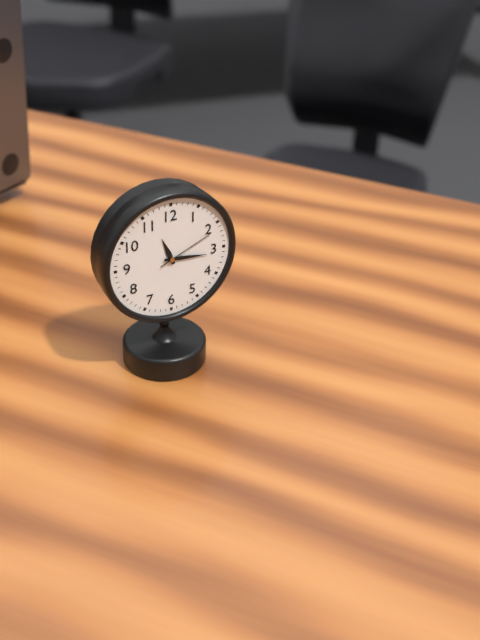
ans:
**11:16:11**
